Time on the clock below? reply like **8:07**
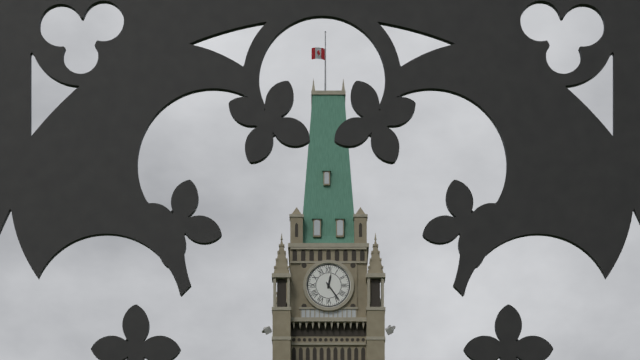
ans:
**12:24**
